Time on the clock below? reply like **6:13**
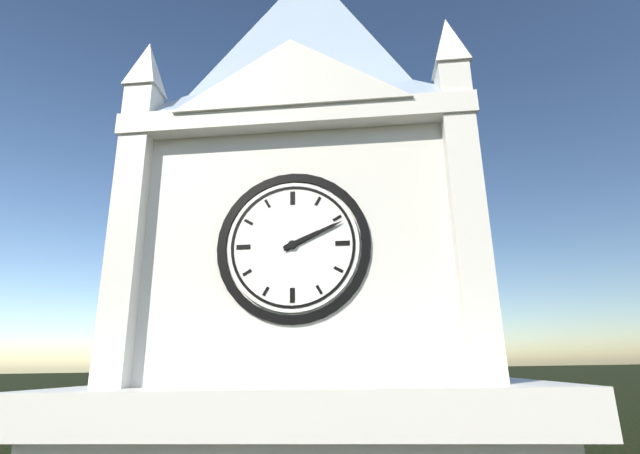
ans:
**2:11**
